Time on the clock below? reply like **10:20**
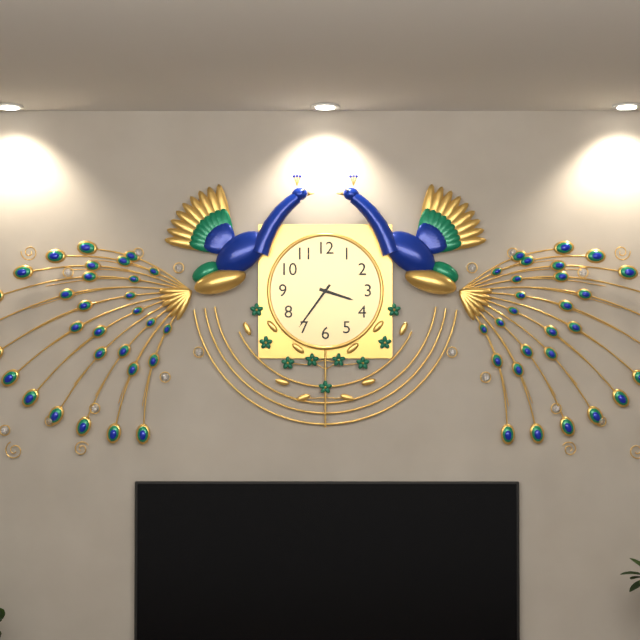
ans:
**3:36**
